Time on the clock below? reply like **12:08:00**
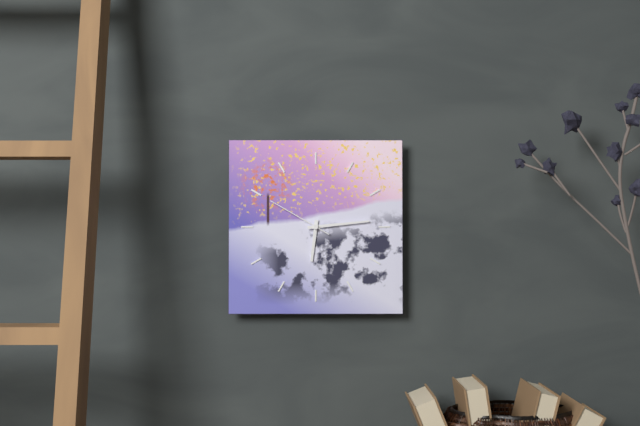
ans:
**6:14:50**
